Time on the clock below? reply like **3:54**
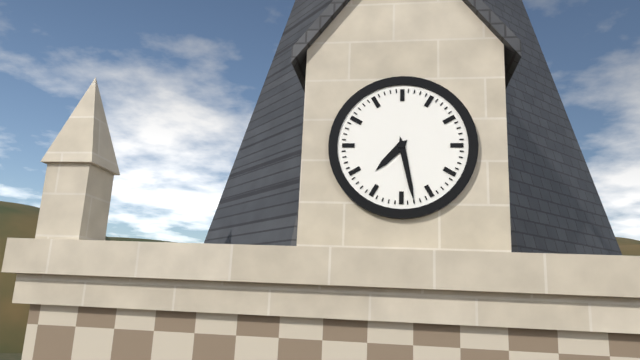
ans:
**7:28**
